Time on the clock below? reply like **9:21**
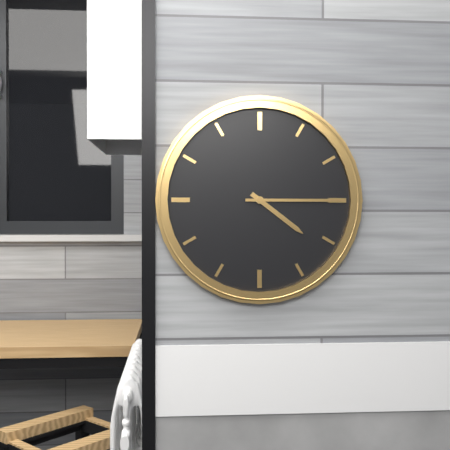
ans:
**4:15**
